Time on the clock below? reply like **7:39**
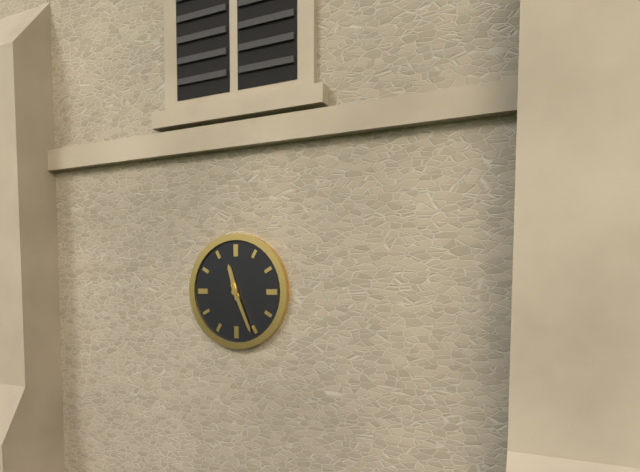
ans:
**11:26**
